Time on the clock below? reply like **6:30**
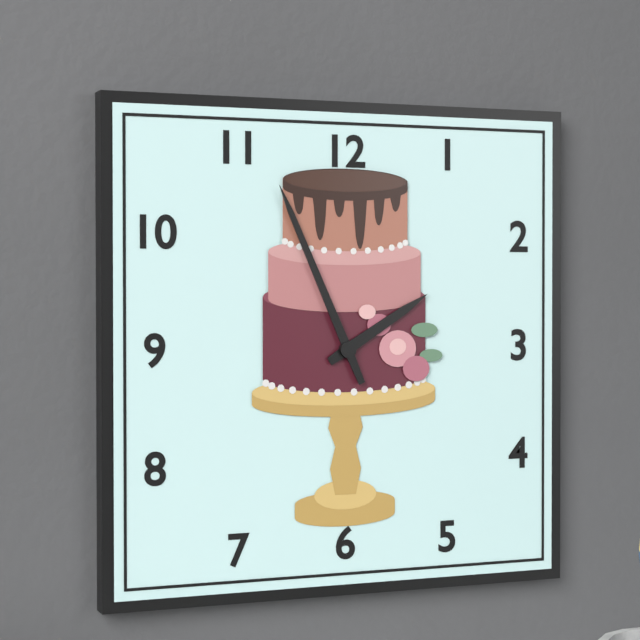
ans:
**1:56**
